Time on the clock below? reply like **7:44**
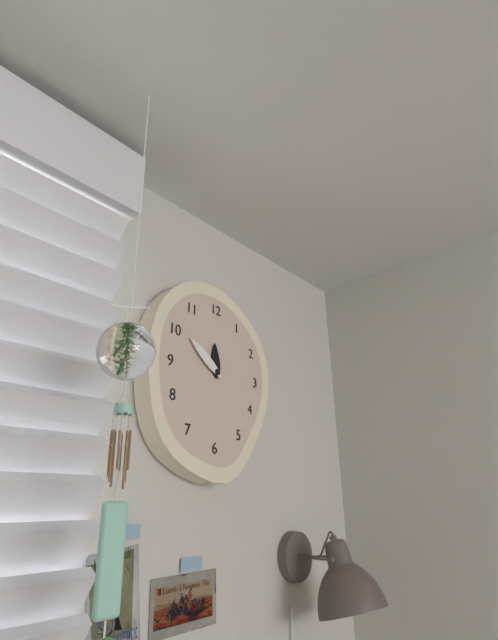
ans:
**11:51**
